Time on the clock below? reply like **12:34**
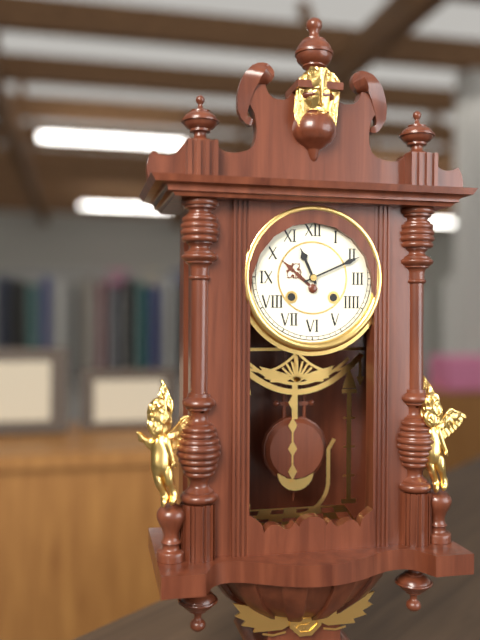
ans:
**11:11**
